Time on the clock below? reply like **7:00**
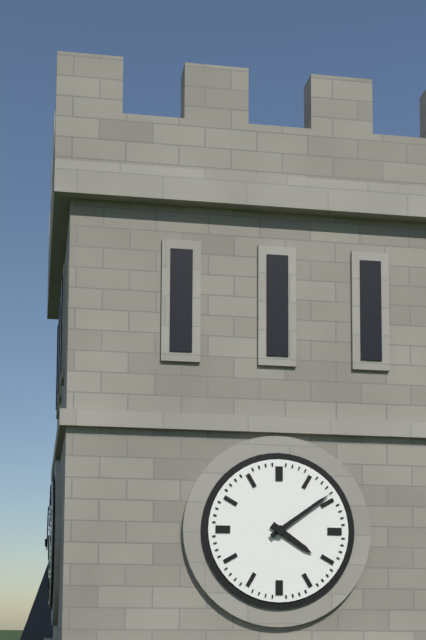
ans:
**4:09**
